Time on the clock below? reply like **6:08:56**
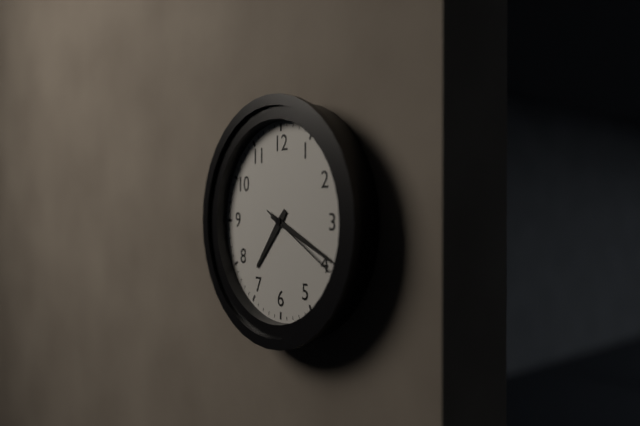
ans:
**7:19:20**
